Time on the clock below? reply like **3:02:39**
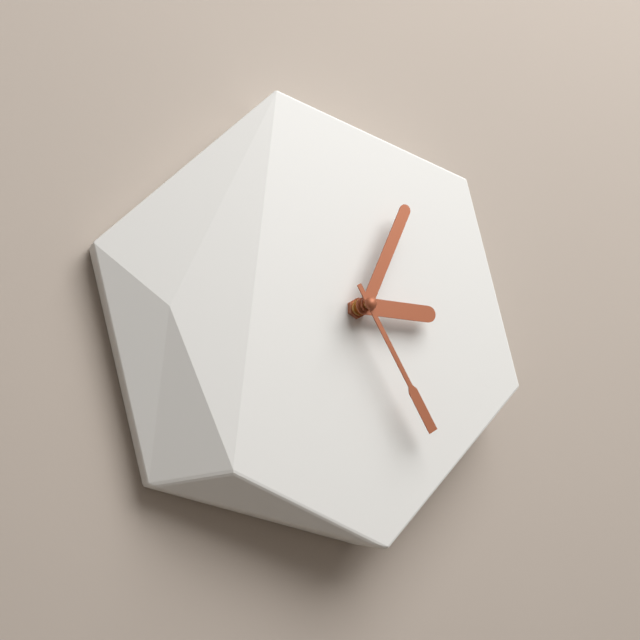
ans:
**3:04:25**
